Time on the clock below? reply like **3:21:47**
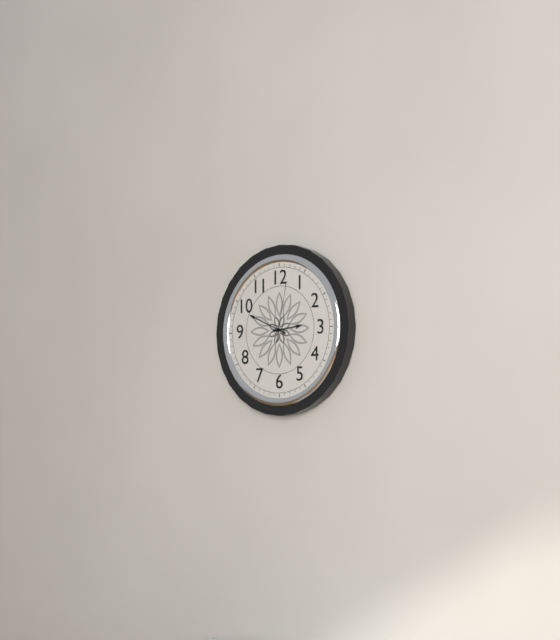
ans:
**2:49:02**
